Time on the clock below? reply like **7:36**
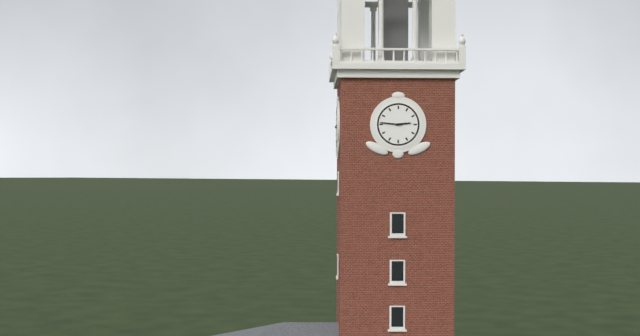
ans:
**2:46**
